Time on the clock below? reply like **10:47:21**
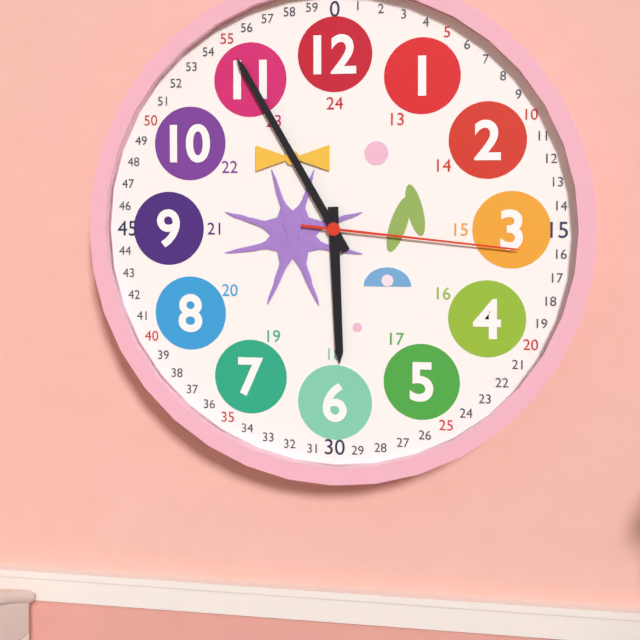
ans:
**5:55:16**
